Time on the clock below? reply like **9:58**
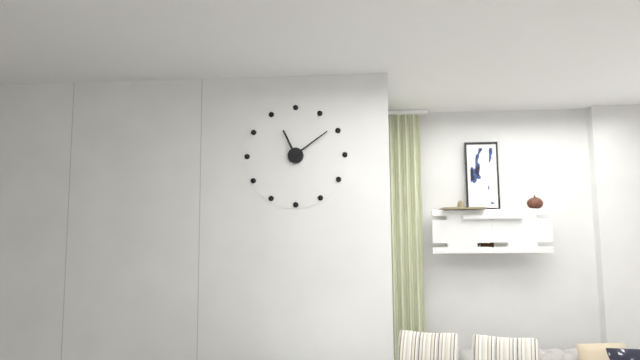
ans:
**11:09**
